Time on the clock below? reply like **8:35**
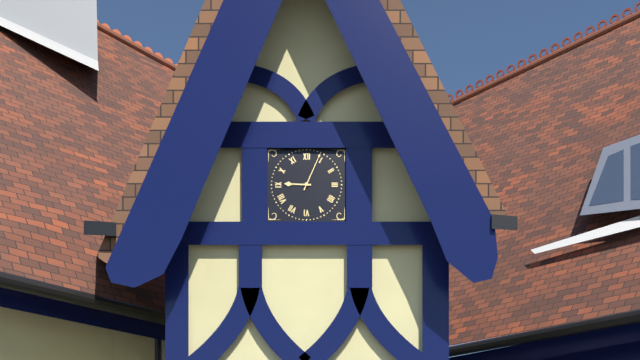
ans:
**9:04**
